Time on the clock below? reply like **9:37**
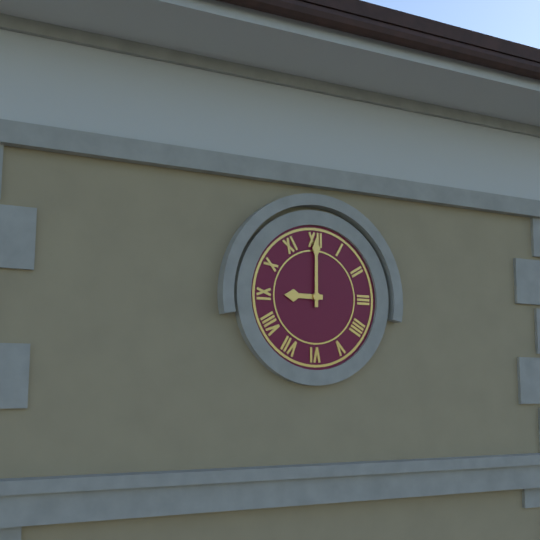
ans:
**9:00**
